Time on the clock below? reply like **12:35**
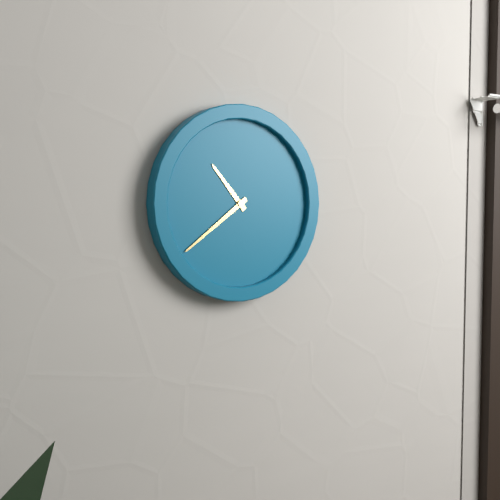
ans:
**10:39**
